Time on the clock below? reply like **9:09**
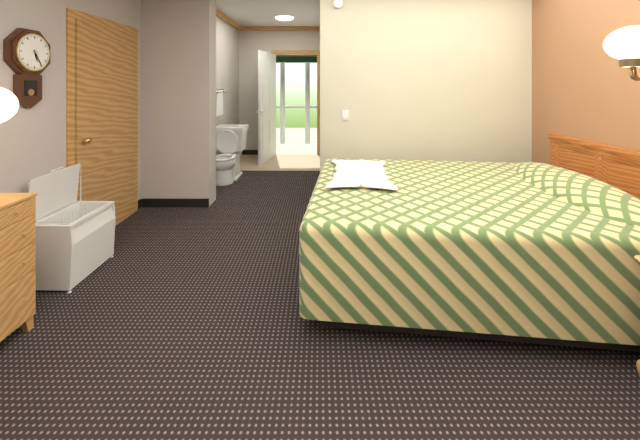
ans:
**5:25**
